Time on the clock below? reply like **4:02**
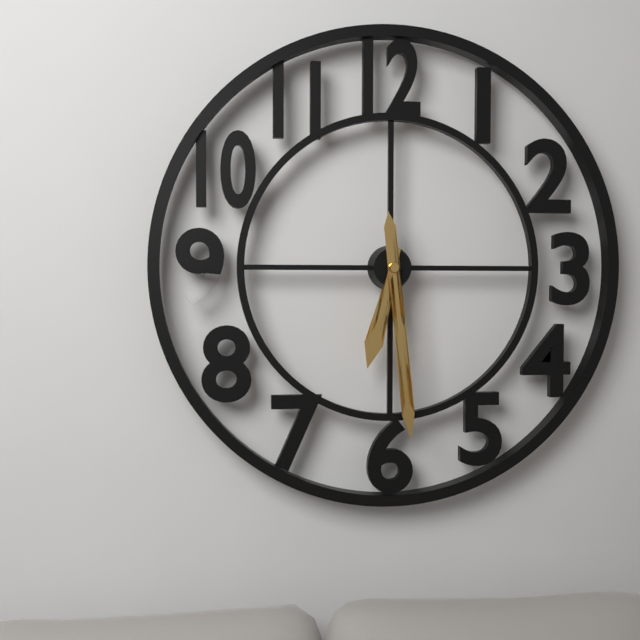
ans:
**6:29**
